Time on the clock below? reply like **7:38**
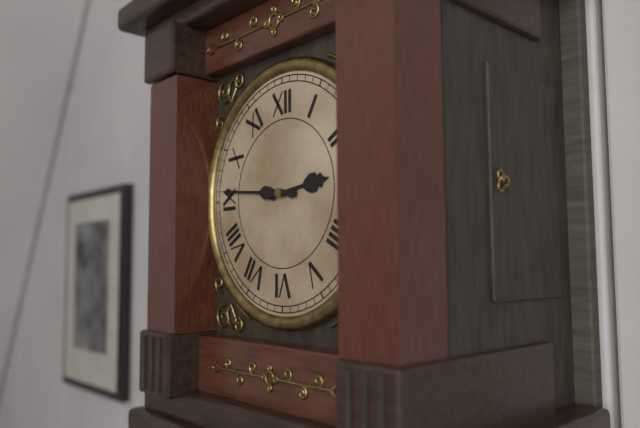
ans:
**2:46**
